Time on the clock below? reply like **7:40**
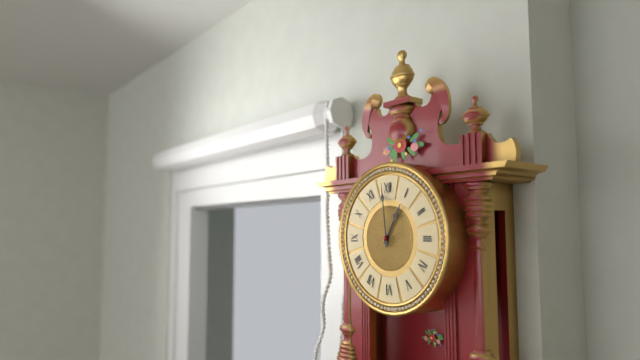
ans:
**12:59**
